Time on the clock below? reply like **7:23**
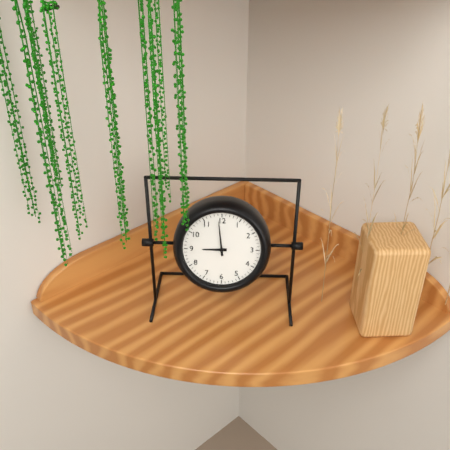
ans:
**8:59**
